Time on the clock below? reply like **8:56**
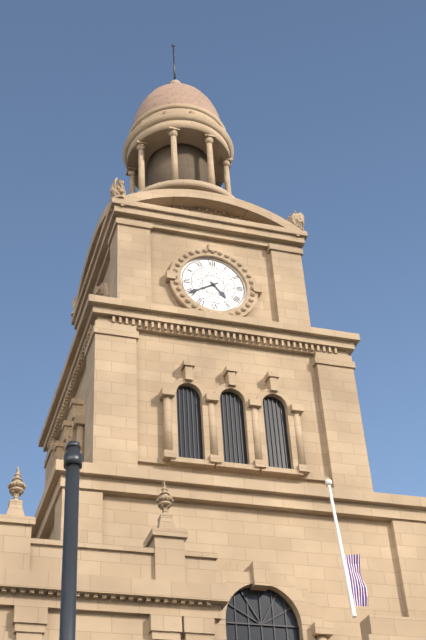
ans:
**4:40**
